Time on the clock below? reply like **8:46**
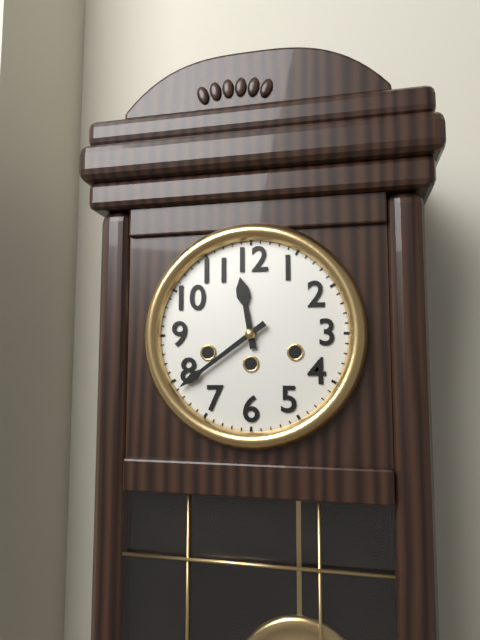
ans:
**11:39**
